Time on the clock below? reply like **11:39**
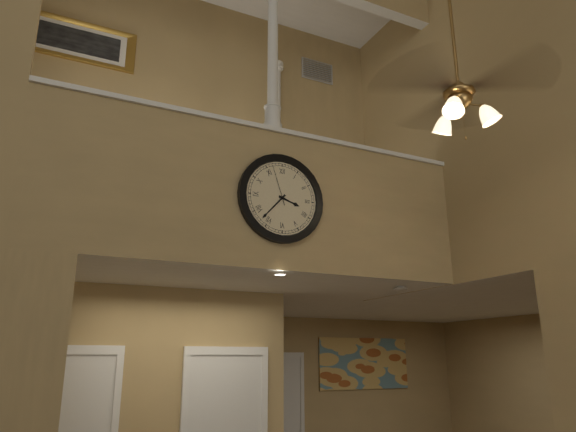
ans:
**3:37**
